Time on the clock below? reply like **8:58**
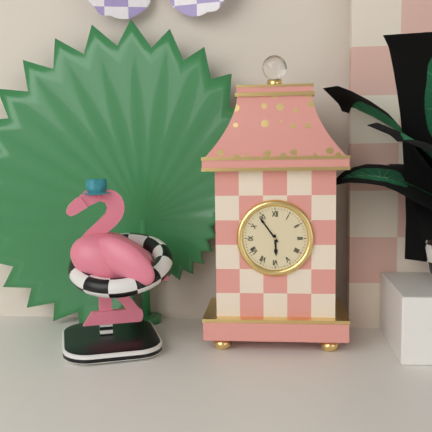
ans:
**5:54**
